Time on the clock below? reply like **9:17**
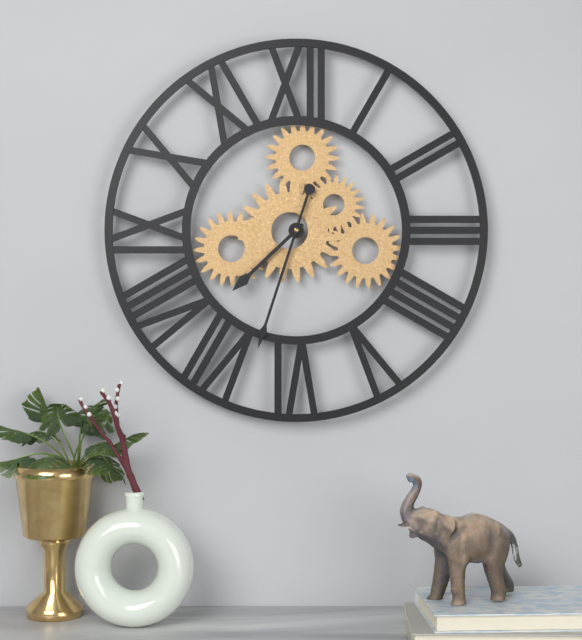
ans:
**7:33**
